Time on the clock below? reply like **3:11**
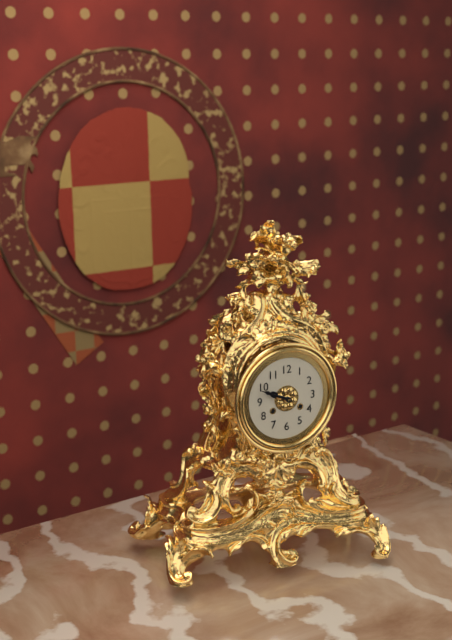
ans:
**9:49**
